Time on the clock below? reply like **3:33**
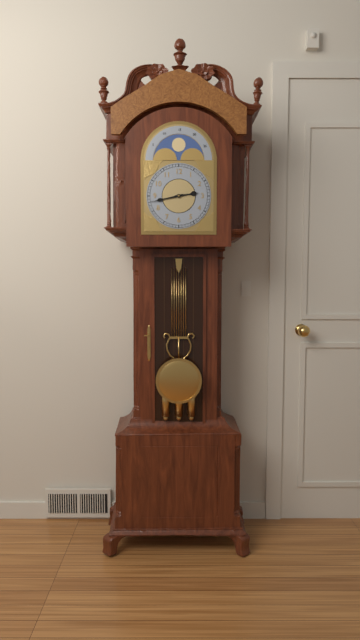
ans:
**2:43**
